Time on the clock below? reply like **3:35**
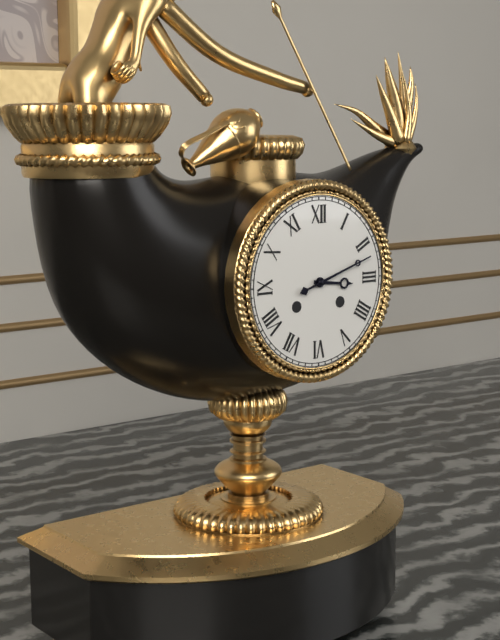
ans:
**3:12**
